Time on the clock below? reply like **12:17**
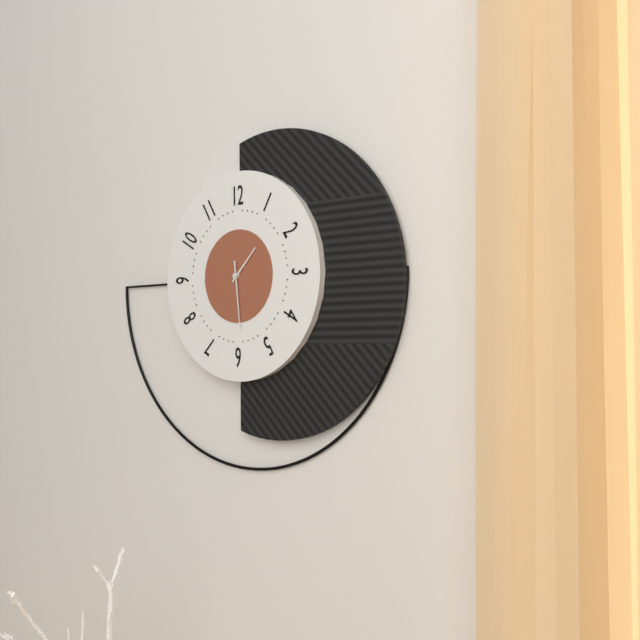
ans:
**1:29**
